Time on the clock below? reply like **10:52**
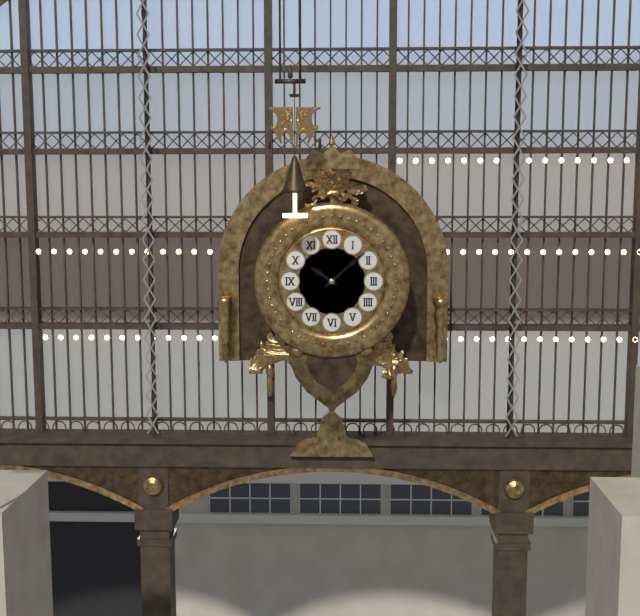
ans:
**10:08**
